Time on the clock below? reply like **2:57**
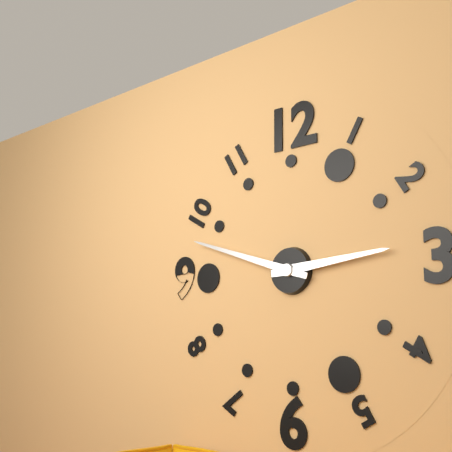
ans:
**2:48**
